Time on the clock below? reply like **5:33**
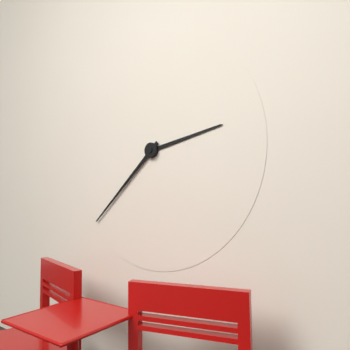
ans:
**2:38**
